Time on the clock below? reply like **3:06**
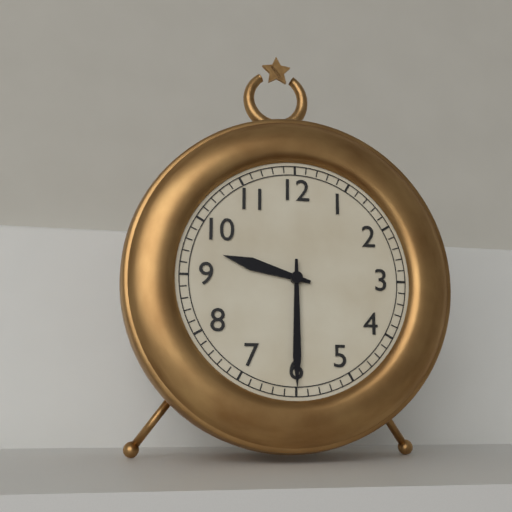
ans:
**9:30**
